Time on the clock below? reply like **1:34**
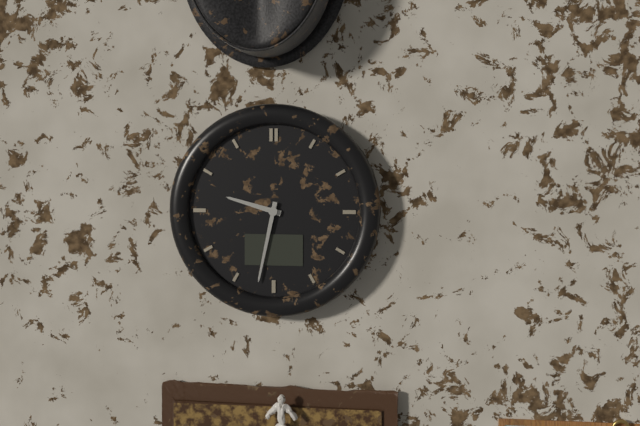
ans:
**9:32**
